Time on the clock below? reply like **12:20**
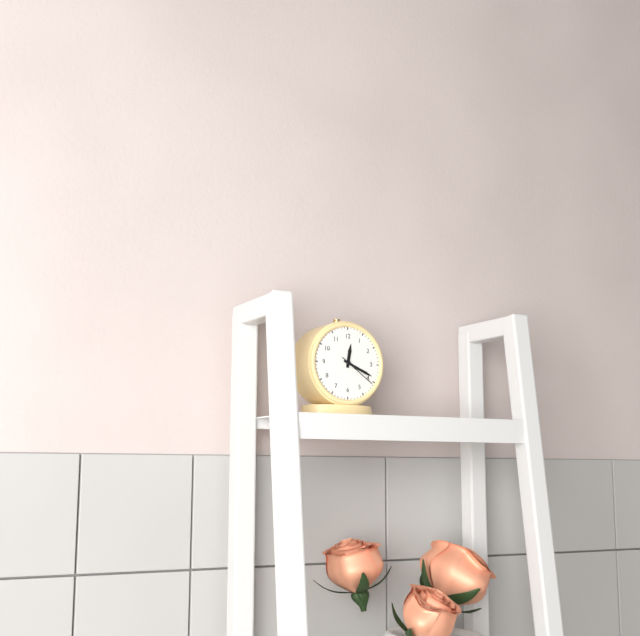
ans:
**12:19**
